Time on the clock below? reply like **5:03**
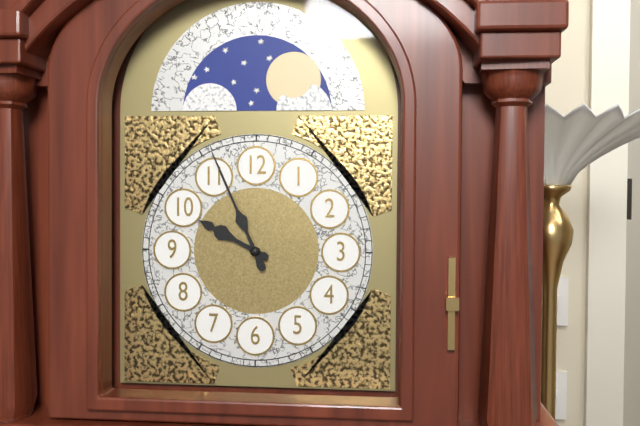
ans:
**9:56**
